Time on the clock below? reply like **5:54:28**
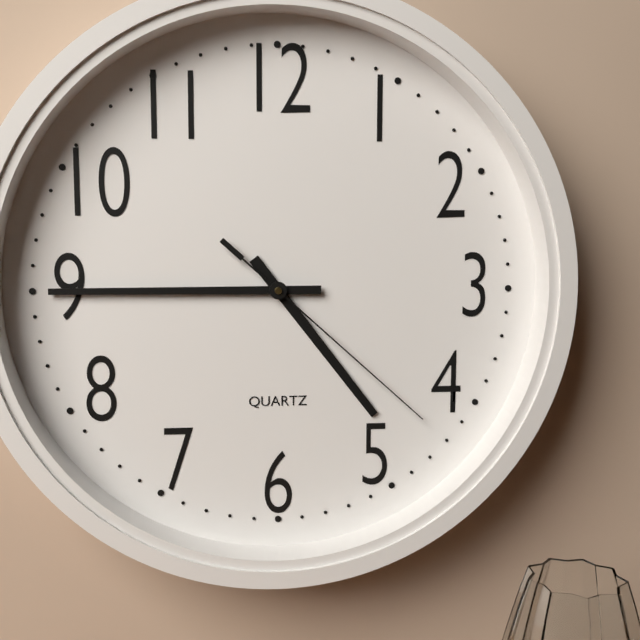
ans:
**4:45:22**
